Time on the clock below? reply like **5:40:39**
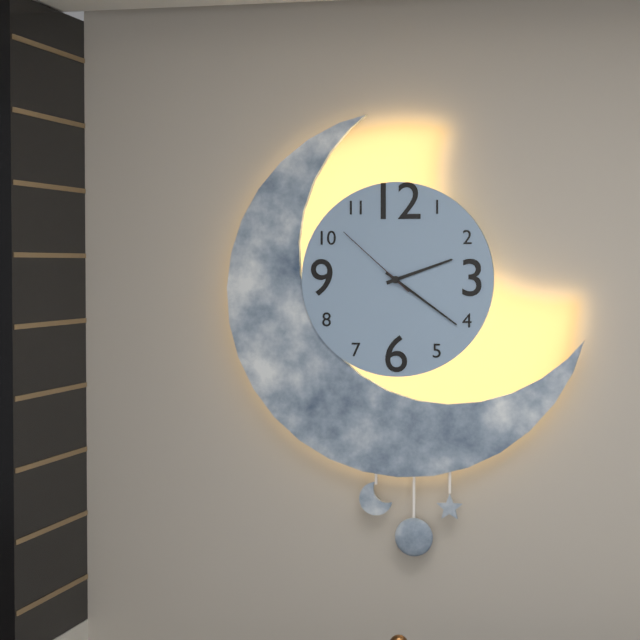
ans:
**2:21:52**
